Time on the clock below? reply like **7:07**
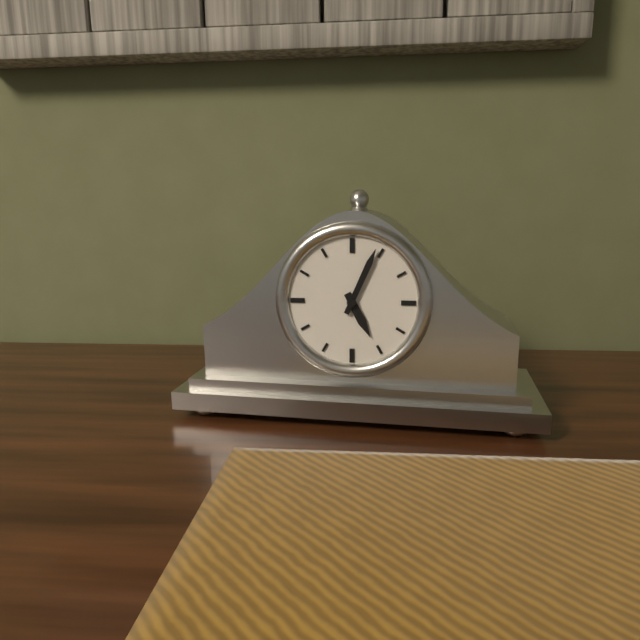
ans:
**5:04**
